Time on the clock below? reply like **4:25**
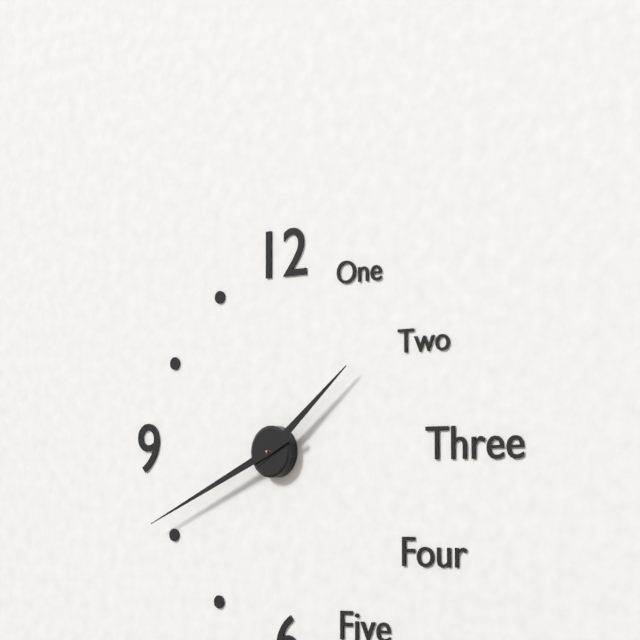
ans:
**1:41**
